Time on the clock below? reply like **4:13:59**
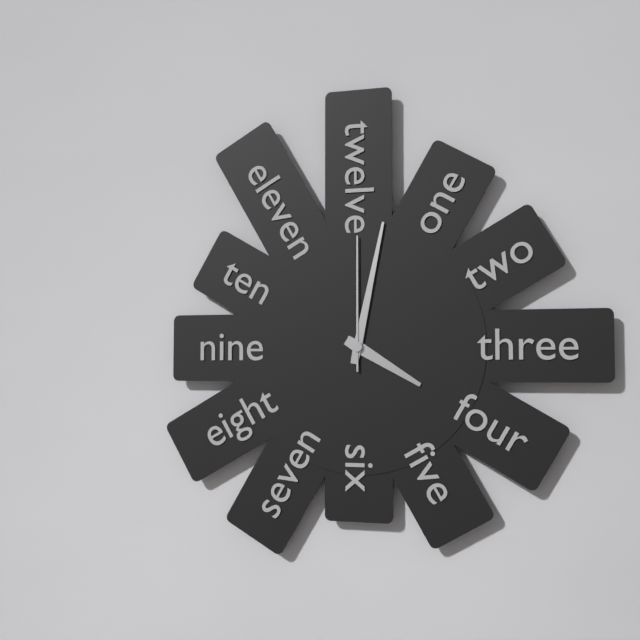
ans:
**4:02:00**
